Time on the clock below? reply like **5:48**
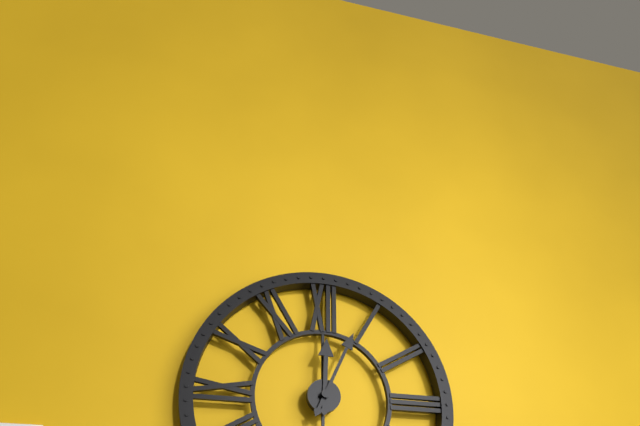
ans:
**12:04**
